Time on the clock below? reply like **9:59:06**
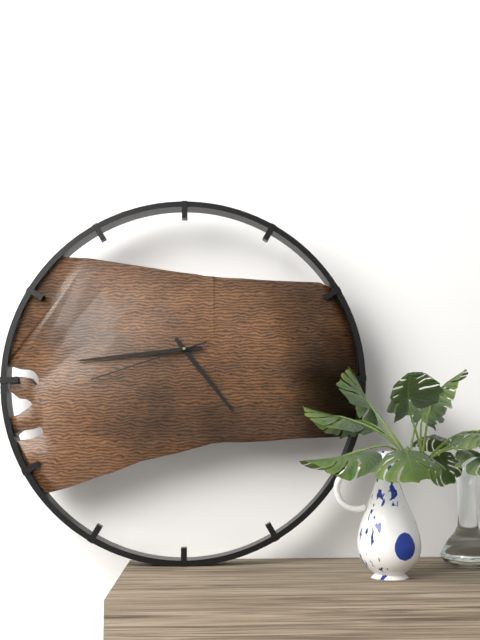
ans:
**4:44:42**
